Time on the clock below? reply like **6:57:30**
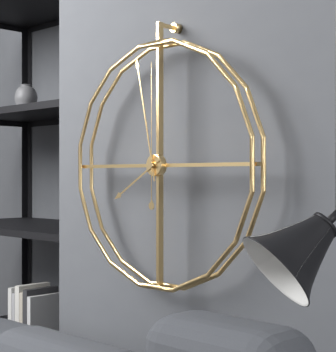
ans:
**7:58:00**
